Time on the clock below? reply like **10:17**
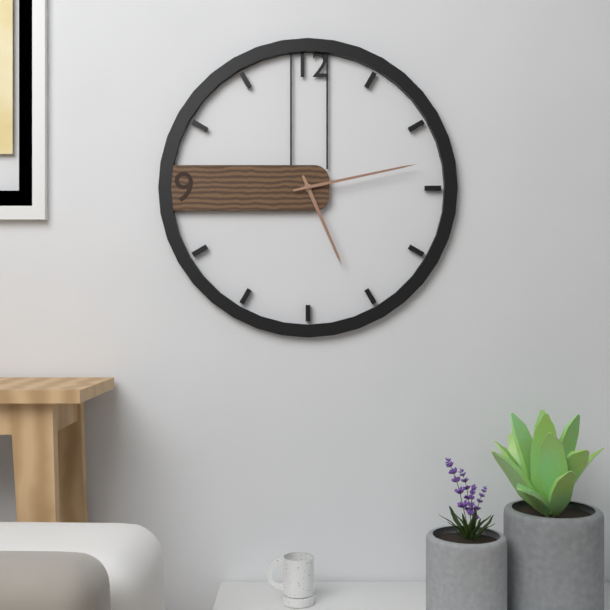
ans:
**5:13**
